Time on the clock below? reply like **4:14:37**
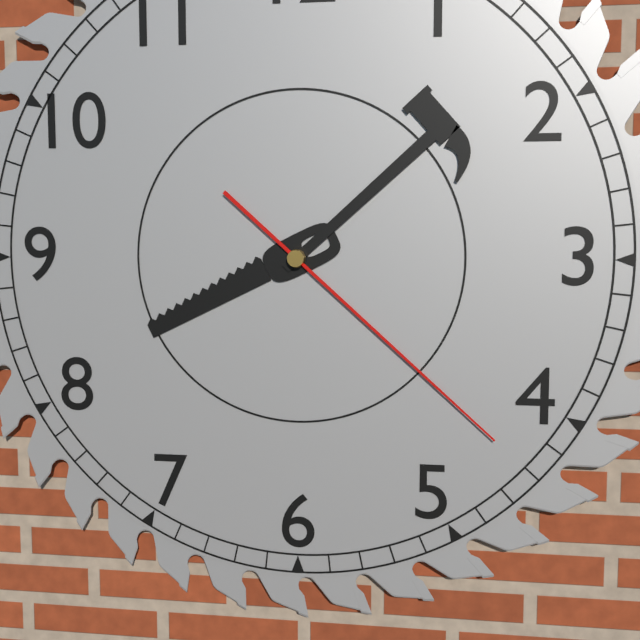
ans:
**8:08:22**
